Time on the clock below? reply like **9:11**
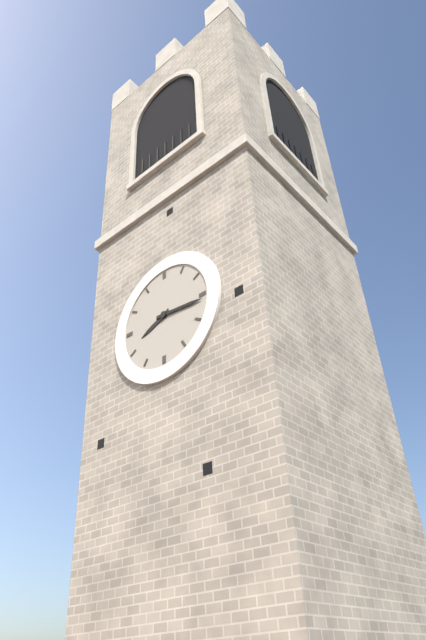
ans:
**8:16**
